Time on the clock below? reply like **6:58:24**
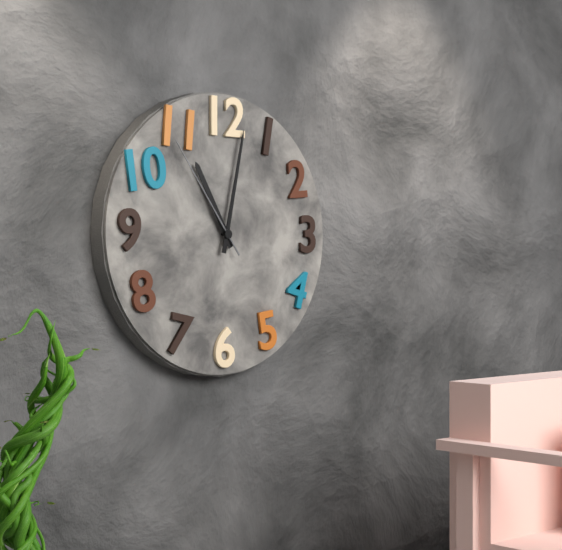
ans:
**11:02:54**
